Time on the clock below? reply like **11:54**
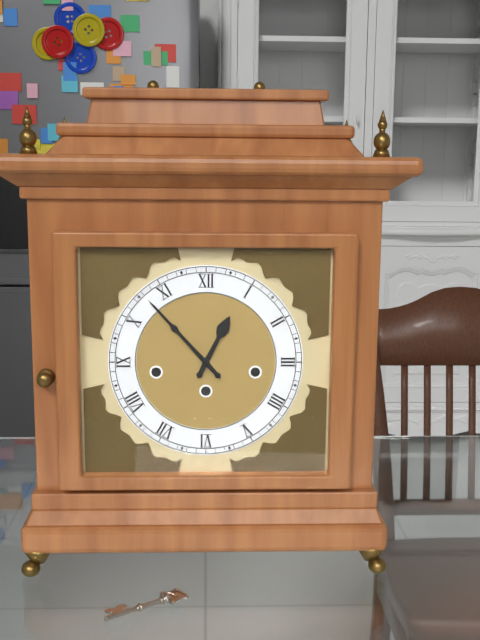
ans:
**12:53**
